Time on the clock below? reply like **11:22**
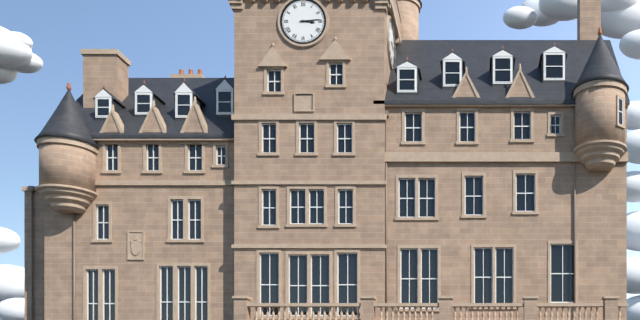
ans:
**3:14**
